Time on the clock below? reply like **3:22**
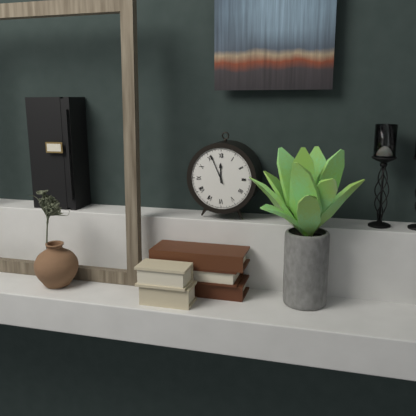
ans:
**11:56**
